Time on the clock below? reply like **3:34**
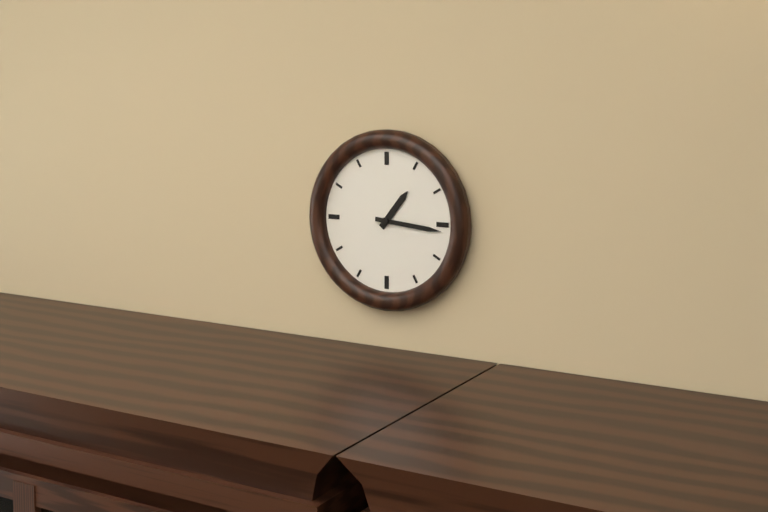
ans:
**1:16**
